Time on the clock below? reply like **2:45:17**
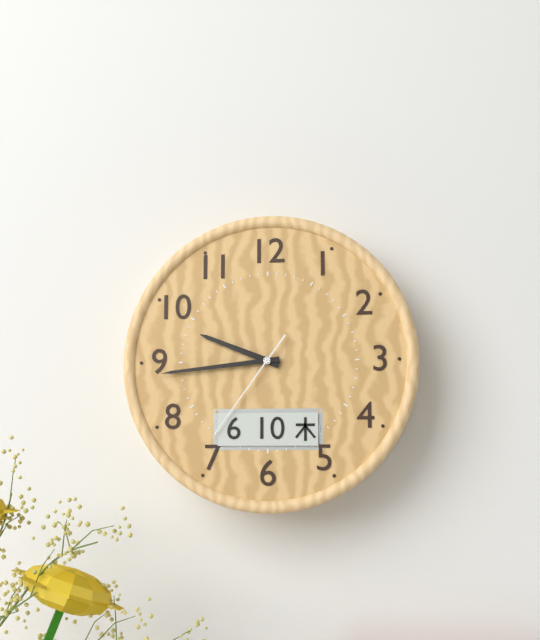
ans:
**9:44:36**
